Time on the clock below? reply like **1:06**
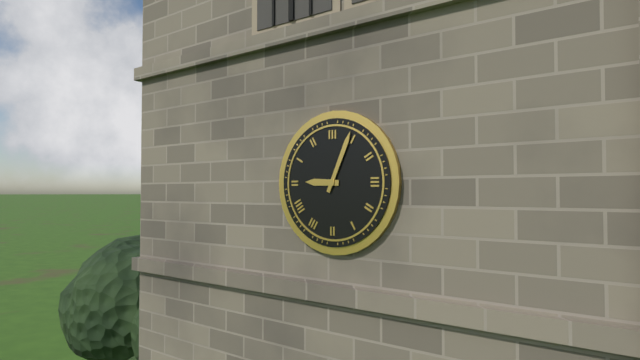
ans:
**9:04**
